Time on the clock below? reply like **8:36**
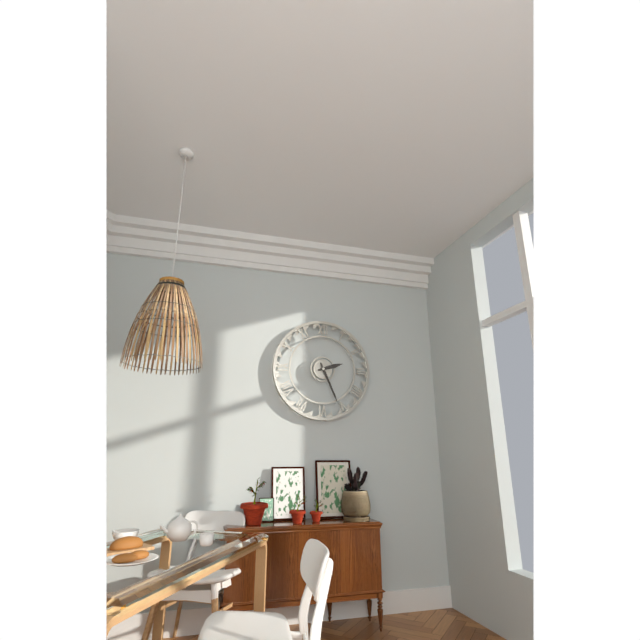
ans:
**2:26**
